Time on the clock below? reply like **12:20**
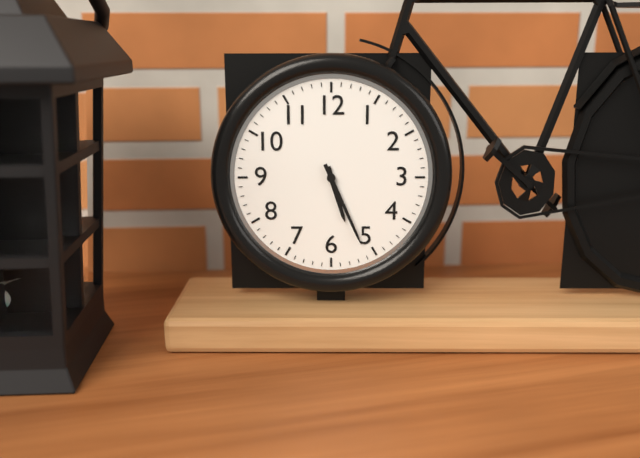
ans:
**5:26**
